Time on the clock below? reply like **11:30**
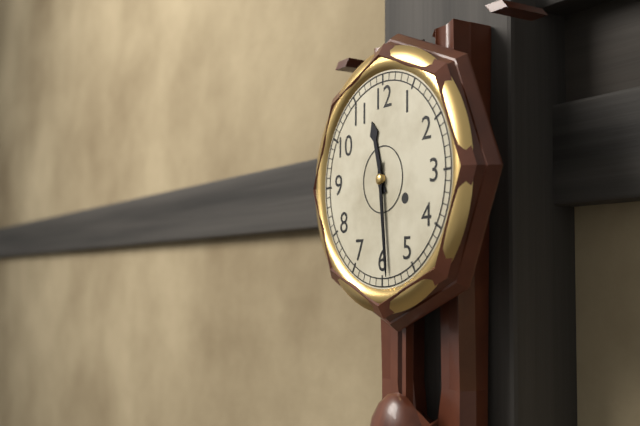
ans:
**11:29**
